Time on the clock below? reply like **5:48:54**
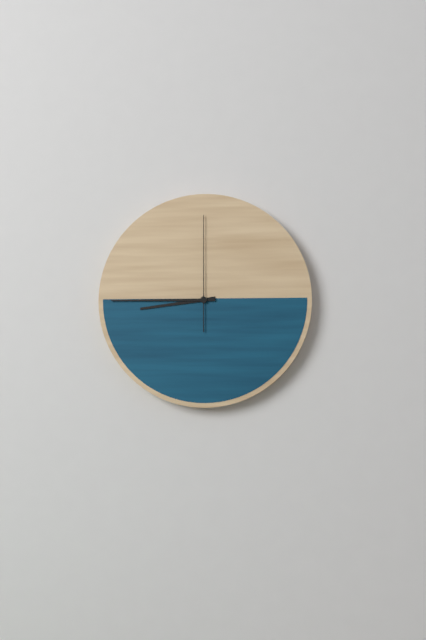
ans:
**8:45:00**
